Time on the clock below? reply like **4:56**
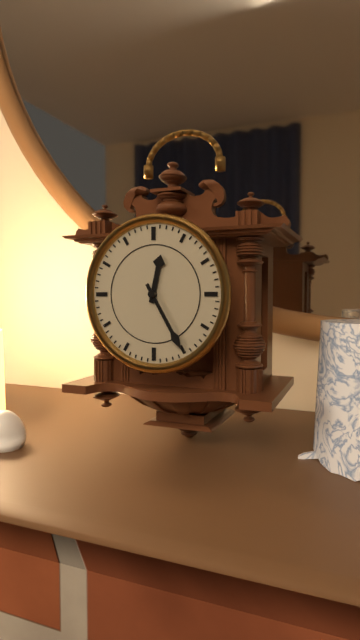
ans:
**12:25**
